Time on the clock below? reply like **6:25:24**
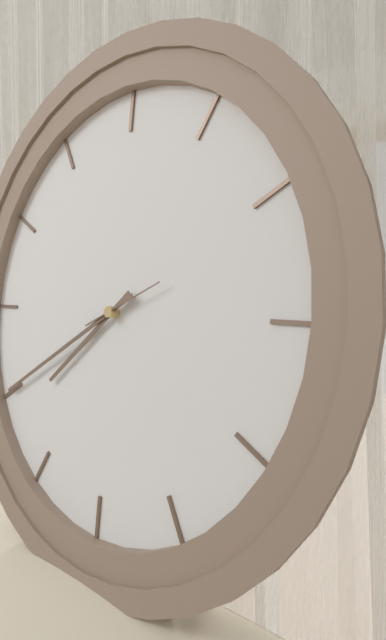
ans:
**7:40:11**
